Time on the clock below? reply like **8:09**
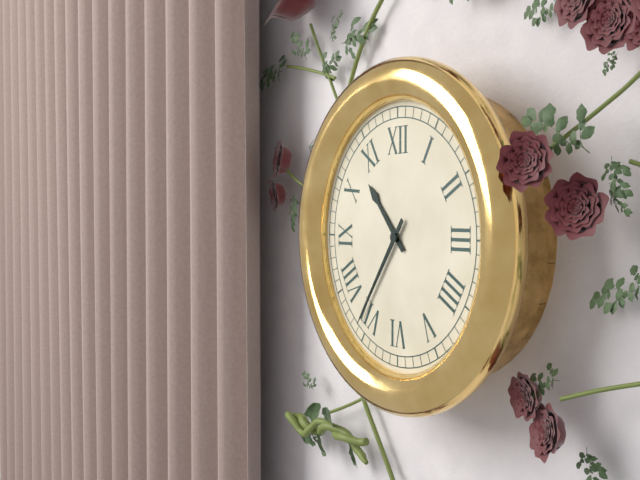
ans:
**10:36**
